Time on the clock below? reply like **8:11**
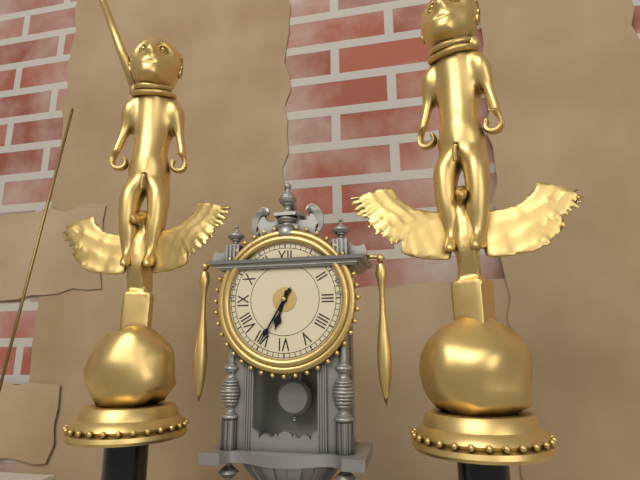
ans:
**6:35**
